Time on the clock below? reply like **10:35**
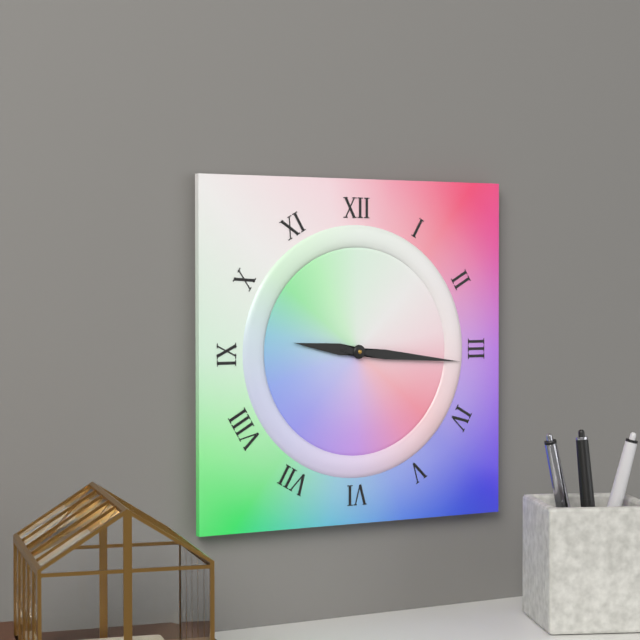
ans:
**9:16**
